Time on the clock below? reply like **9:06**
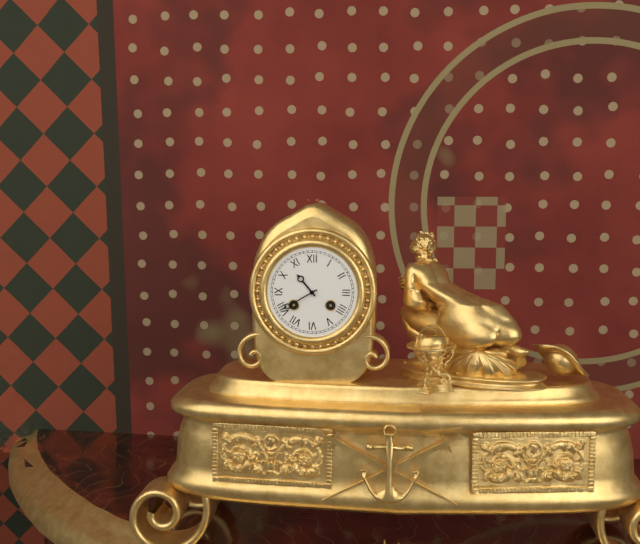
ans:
**10:40**
